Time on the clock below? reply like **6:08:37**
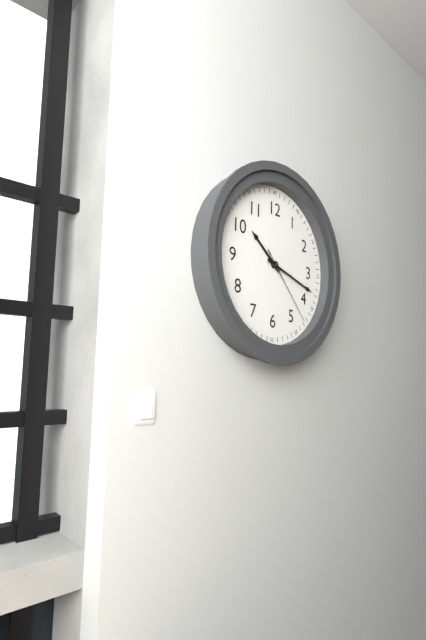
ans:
**10:18:23**
